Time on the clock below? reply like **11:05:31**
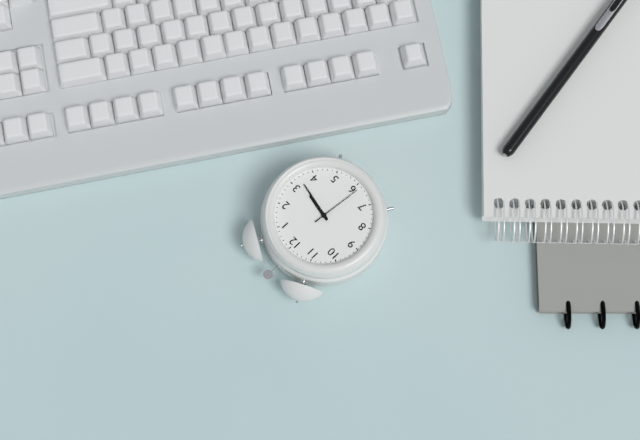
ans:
**3:17:31**
